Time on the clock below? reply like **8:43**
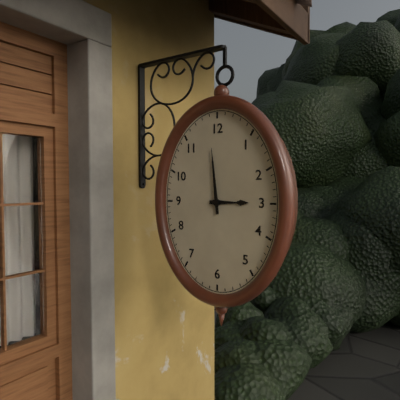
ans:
**2:59**
